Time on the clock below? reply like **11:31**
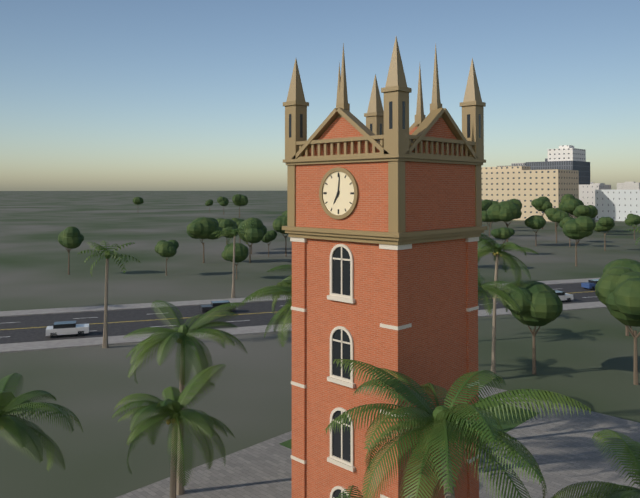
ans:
**7:01**
